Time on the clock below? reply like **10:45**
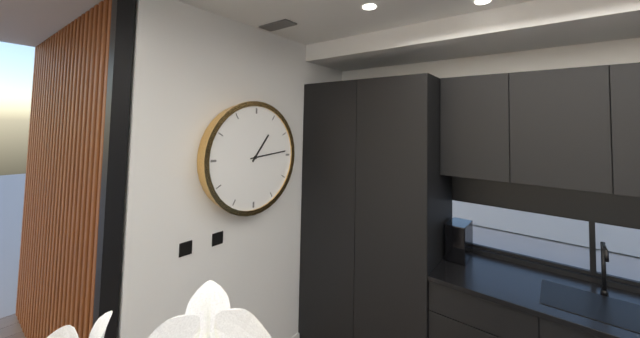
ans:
**1:14**
